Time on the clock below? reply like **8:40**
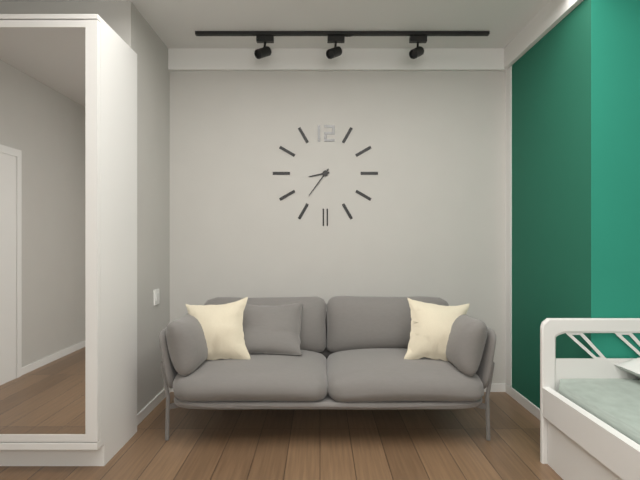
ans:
**8:36**
